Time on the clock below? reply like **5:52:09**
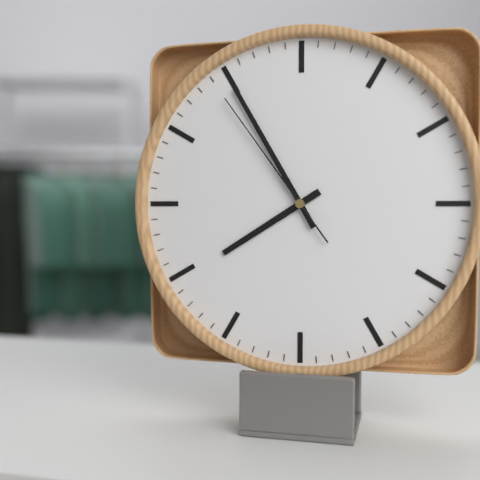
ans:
**7:55:54**
